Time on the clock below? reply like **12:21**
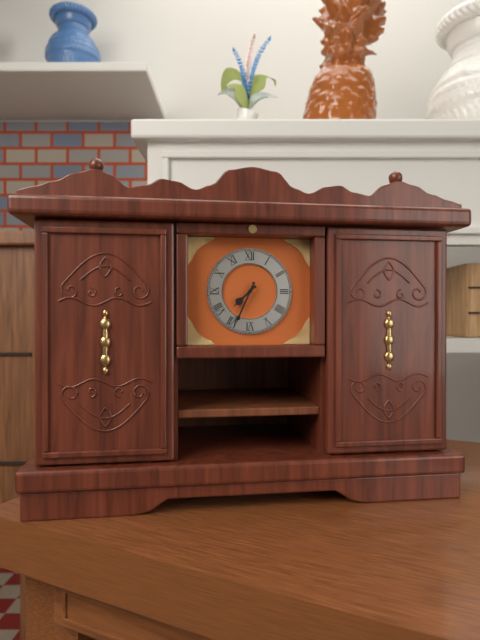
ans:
**7:34**
